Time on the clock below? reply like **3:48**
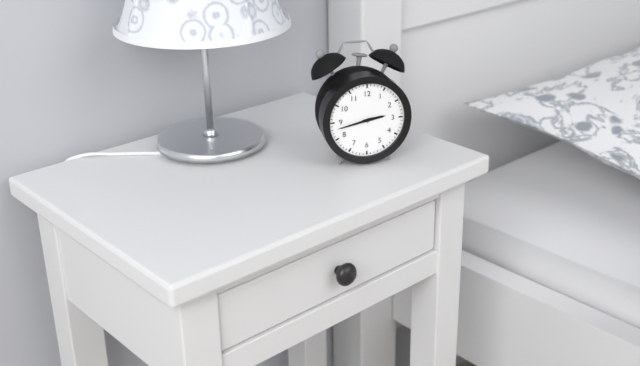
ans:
**2:43**
